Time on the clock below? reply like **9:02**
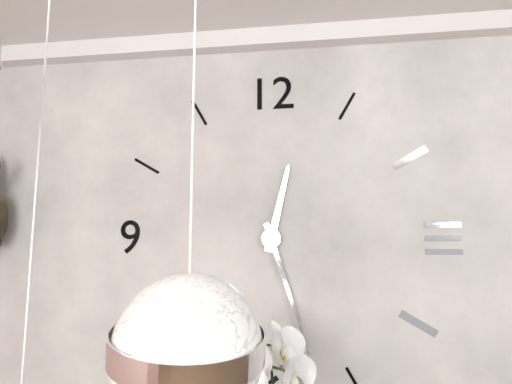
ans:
**12:27**
